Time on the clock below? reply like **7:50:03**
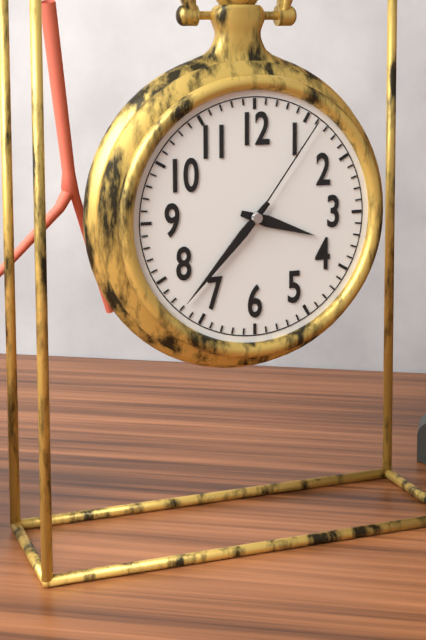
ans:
**3:37:06**
